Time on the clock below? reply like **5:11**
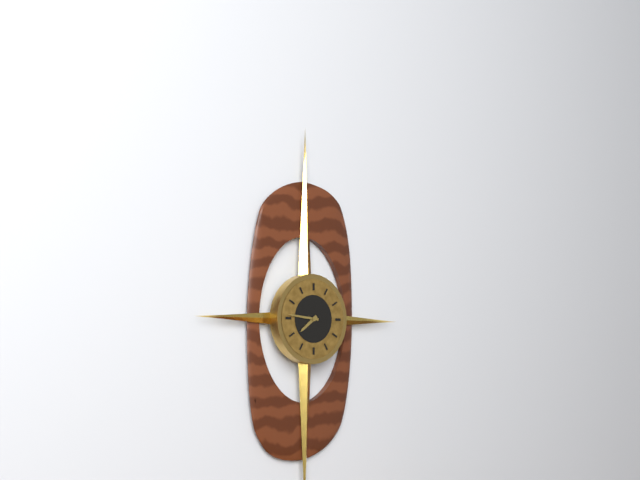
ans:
**7:46**
